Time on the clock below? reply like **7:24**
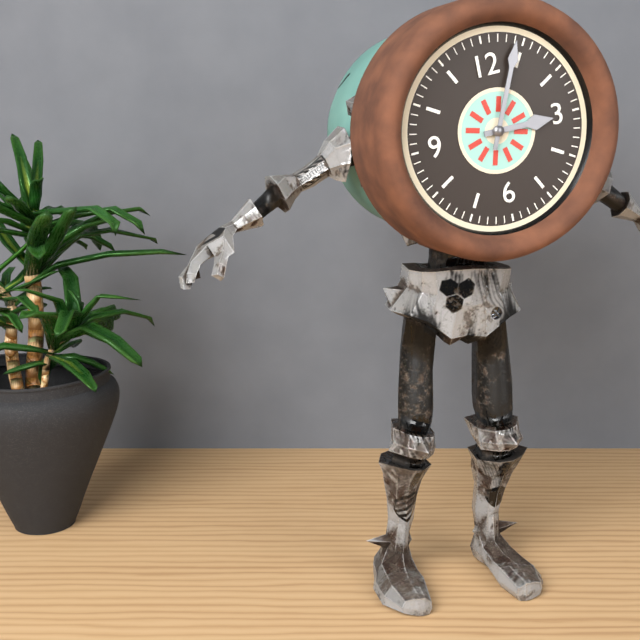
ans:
**3:04**
